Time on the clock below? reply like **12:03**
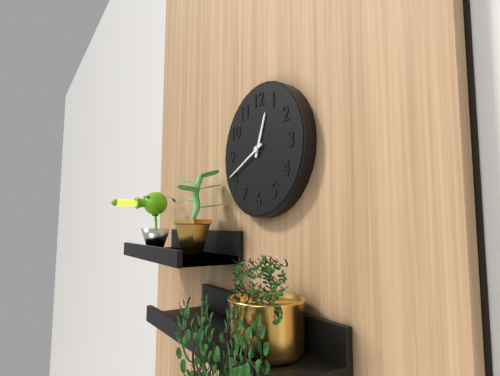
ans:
**12:41**
